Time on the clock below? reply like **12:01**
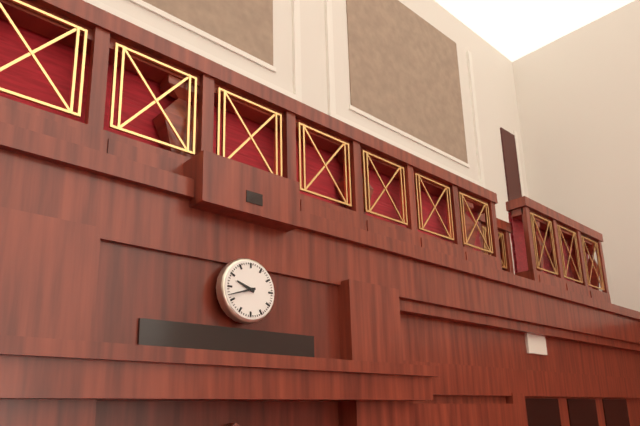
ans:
**9:42**
